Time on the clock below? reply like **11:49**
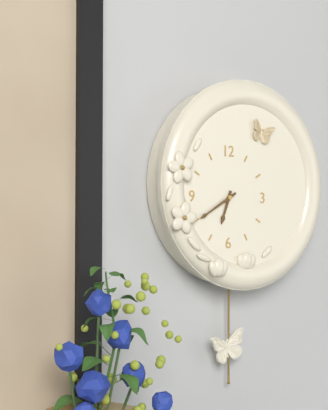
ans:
**6:40**
